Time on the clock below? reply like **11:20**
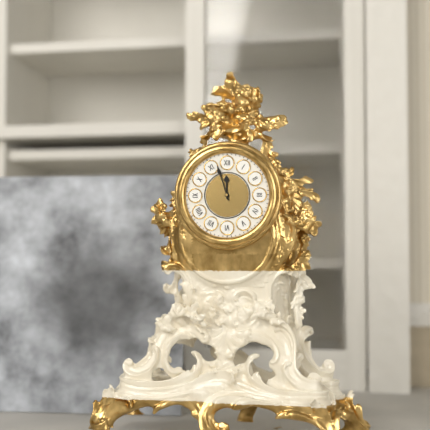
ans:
**11:57**
